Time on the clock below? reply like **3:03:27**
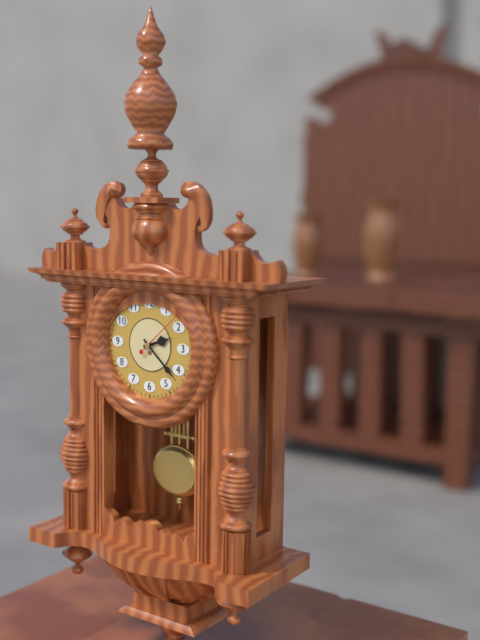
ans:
**2:22:08**
